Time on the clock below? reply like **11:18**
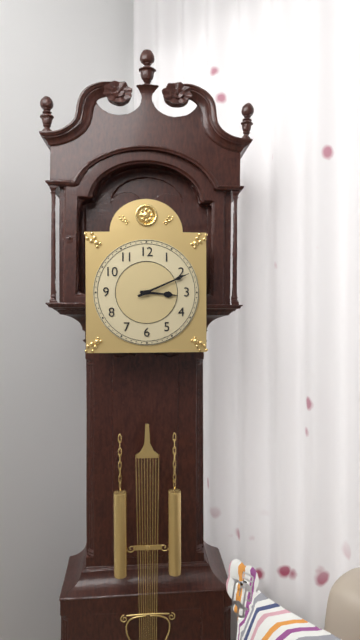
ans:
**3:11**
